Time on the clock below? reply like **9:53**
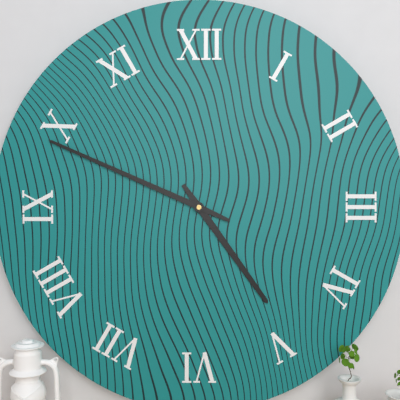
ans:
**4:49**
